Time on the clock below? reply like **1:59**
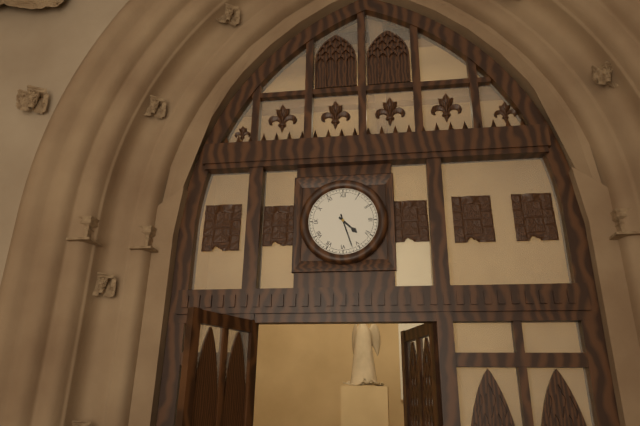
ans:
**4:27**
